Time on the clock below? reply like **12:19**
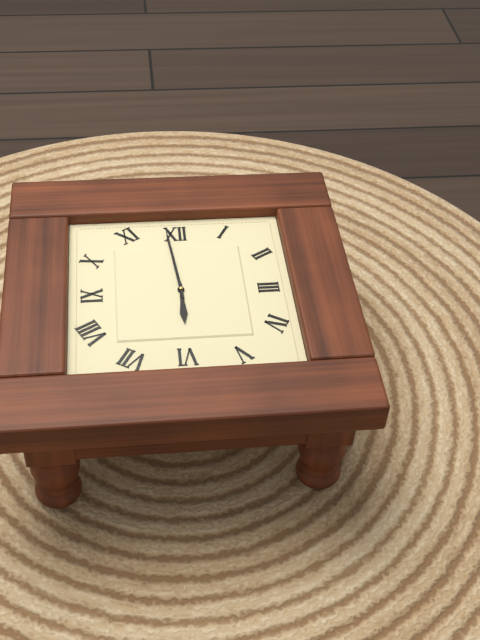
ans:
**5:59**
